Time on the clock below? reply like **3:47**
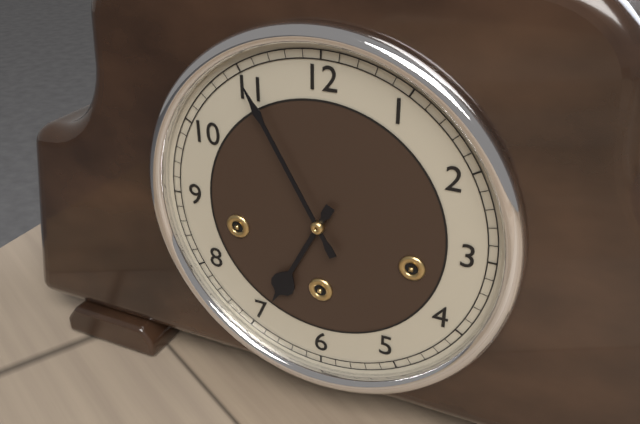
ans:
**6:55**
